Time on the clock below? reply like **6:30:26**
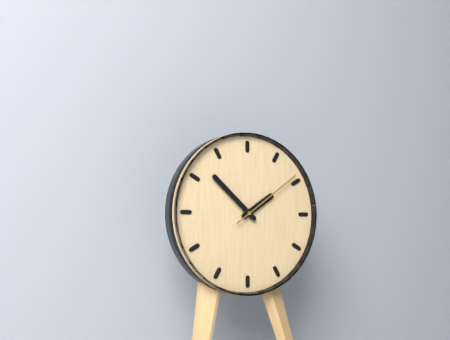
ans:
**1:52:09**
